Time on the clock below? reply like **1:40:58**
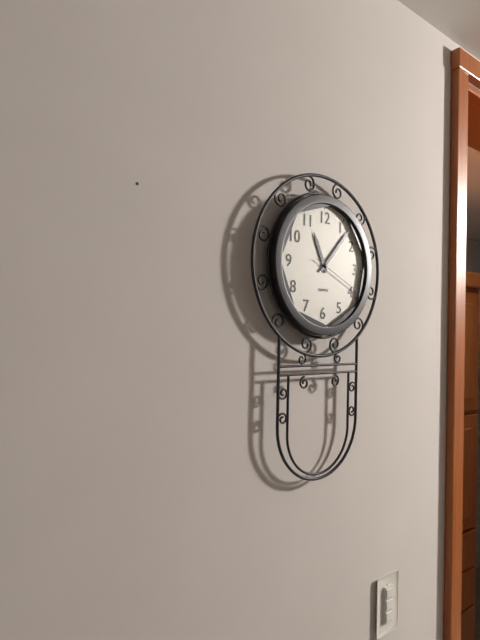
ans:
**11:07:19**
